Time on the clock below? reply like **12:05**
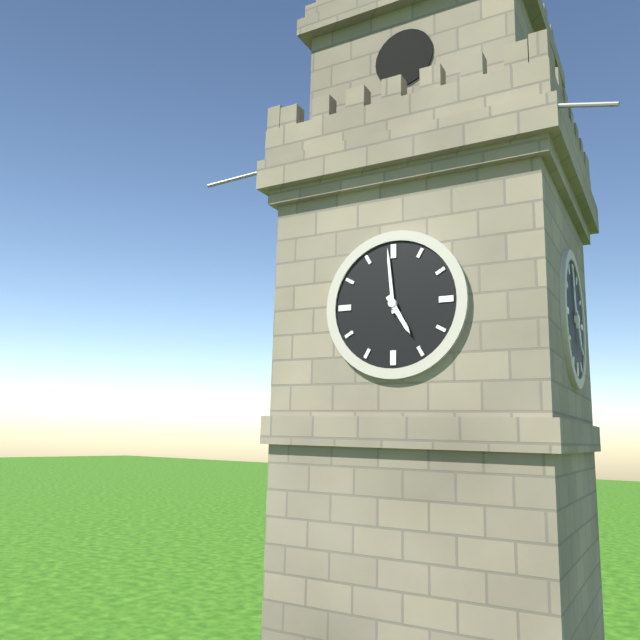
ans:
**4:59**
